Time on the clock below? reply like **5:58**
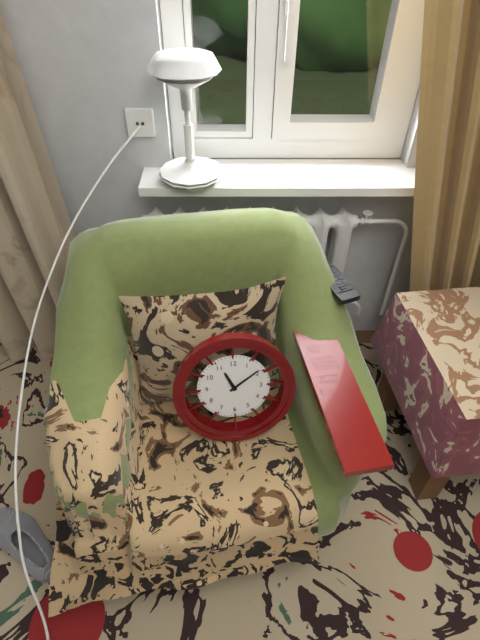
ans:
**11:09**
